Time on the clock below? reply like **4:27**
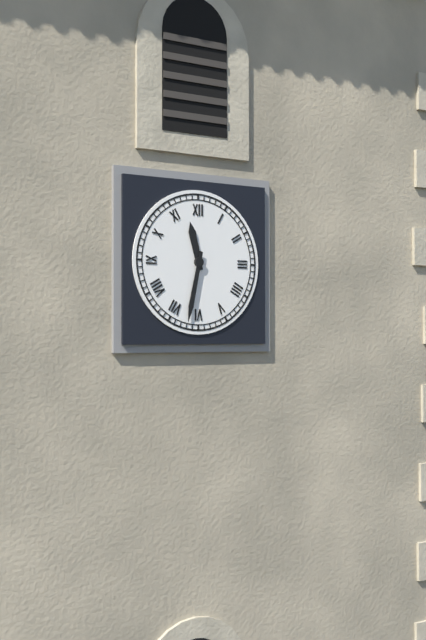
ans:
**11:32**
